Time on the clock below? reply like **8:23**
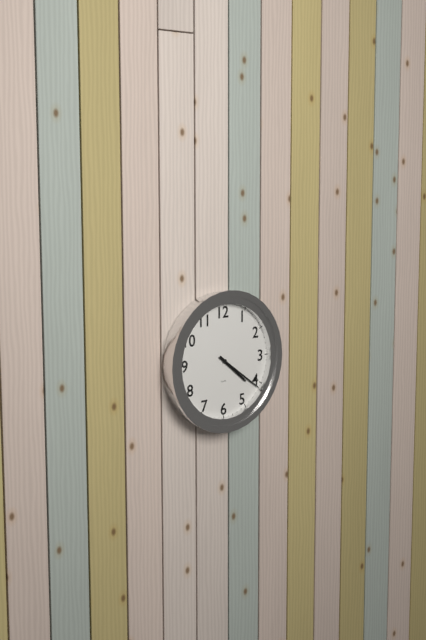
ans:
**4:21**
